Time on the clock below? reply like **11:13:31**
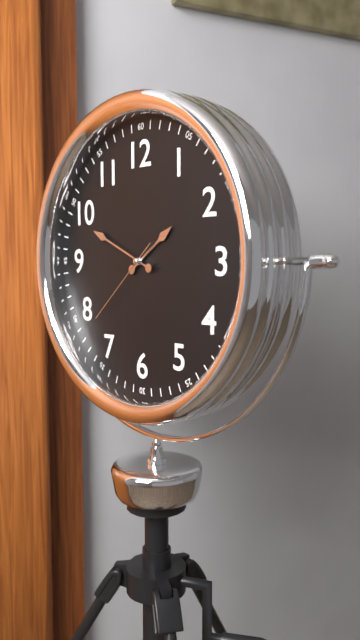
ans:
**1:49:38**
